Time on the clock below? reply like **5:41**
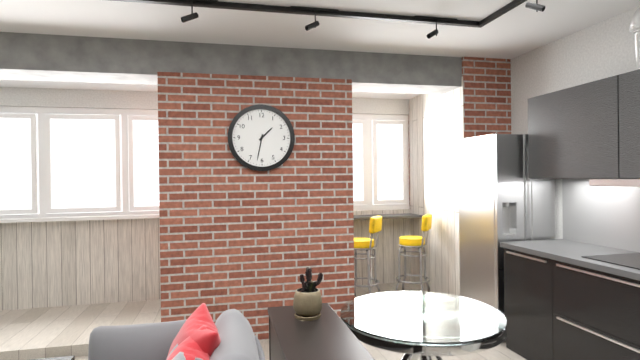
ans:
**1:32**
